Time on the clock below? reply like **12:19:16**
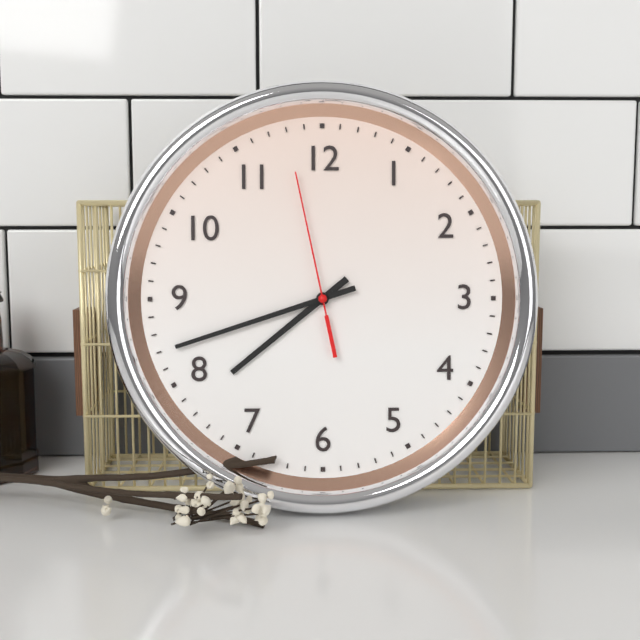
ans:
**7:42:58**
